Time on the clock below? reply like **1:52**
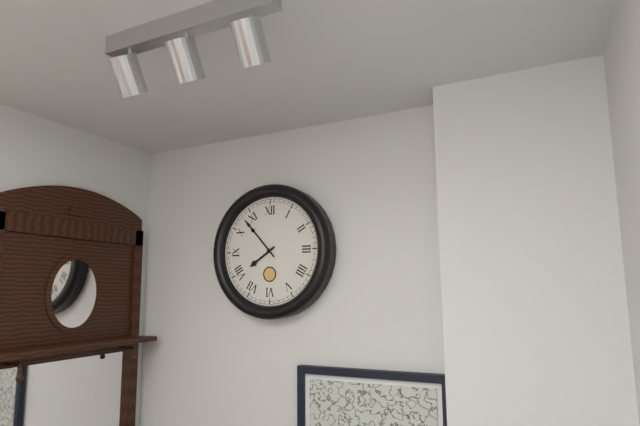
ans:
**7:53**
